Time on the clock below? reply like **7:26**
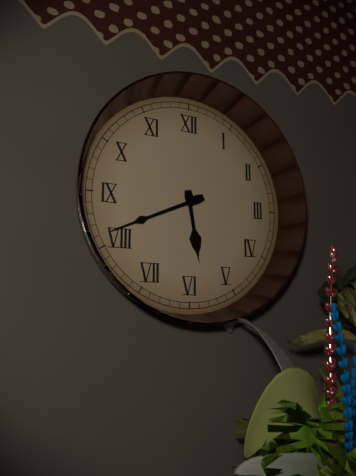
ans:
**5:41**
